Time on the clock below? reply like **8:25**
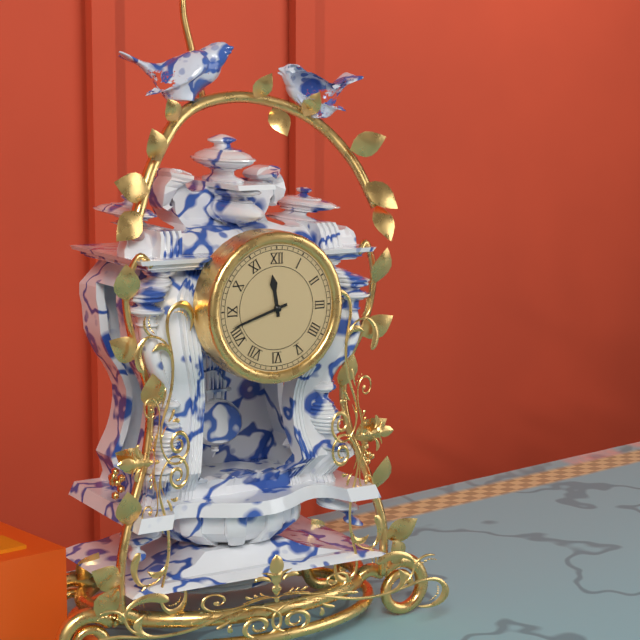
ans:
**11:42**
